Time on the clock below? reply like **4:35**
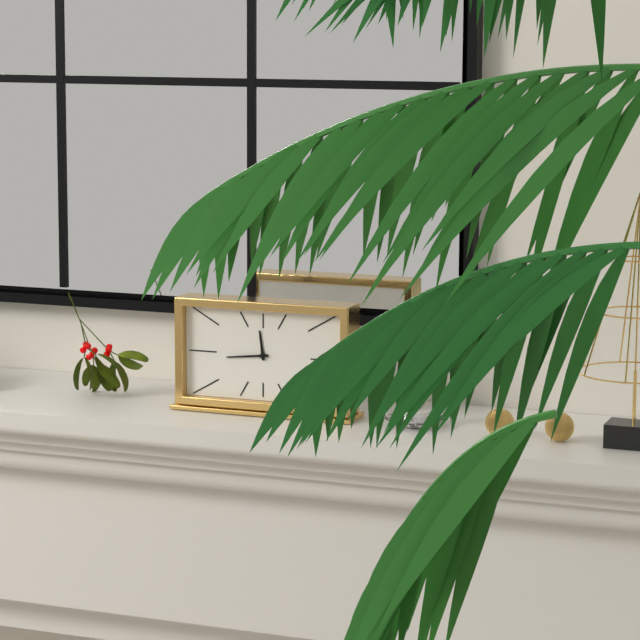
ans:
**11:44**
